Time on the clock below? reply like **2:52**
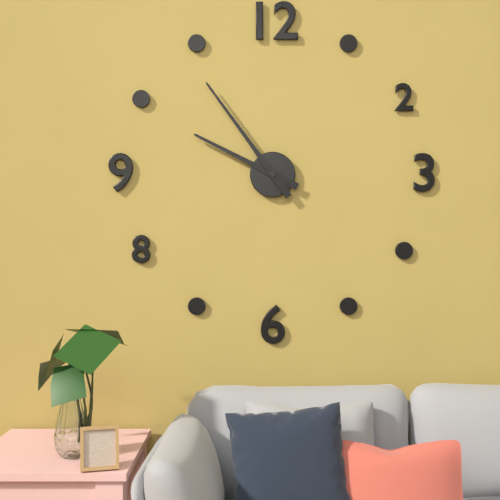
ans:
**9:54**
